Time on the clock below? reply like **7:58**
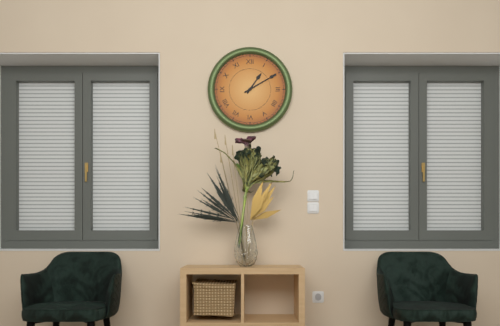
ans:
**1:10**
